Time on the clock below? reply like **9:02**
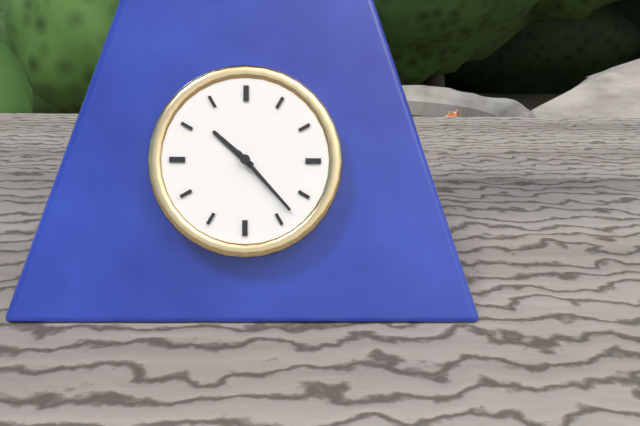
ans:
**10:23**
